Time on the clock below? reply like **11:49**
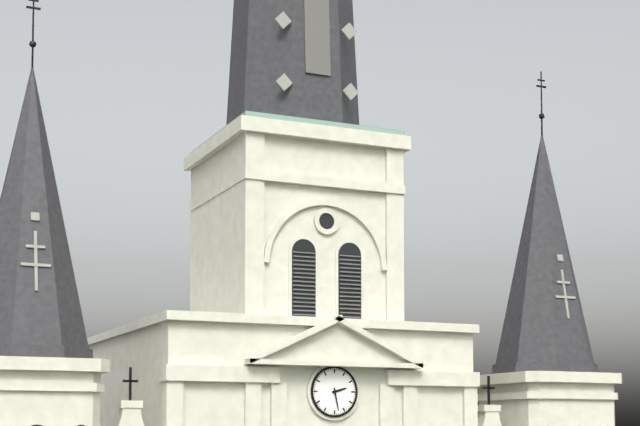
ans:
**2:28**
